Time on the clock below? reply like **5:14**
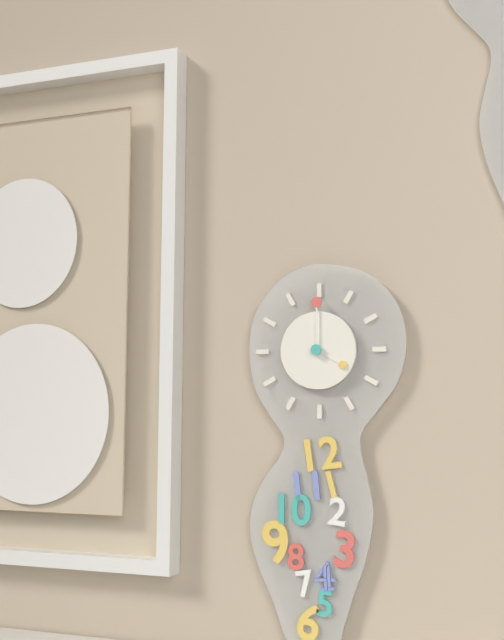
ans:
**4:00**
